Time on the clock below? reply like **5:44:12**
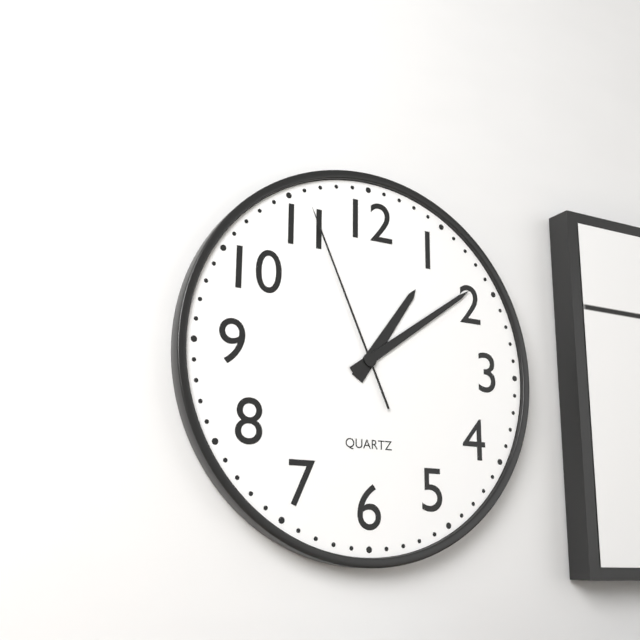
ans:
**1:09:56**
